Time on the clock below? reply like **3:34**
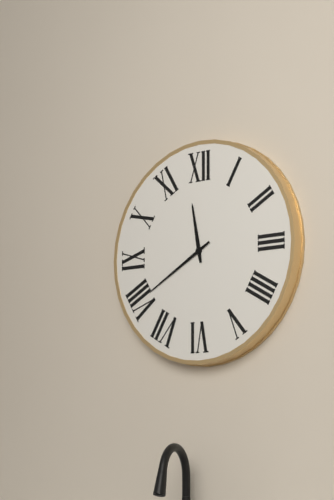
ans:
**11:40**
